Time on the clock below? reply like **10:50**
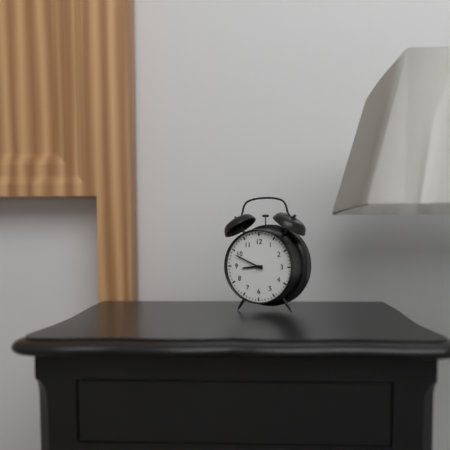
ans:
**8:49**
